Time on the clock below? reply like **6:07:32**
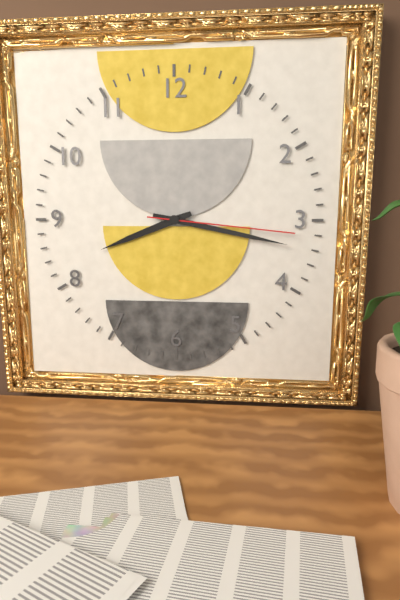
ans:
**8:17:16**
